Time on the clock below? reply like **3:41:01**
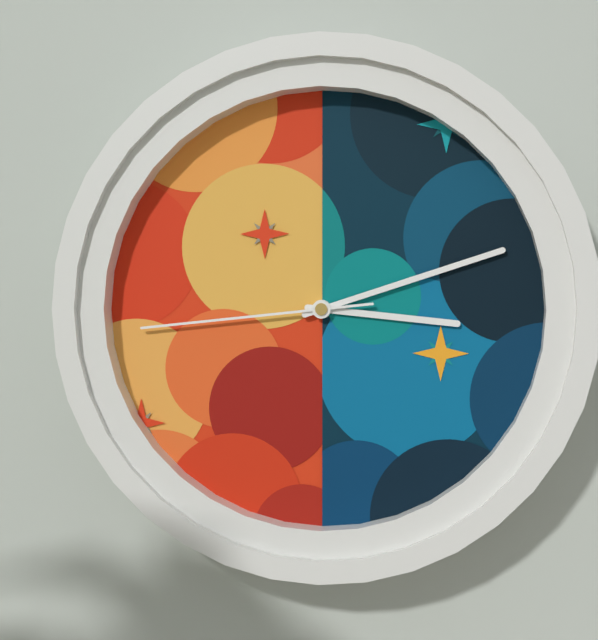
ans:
**3:12:44**
